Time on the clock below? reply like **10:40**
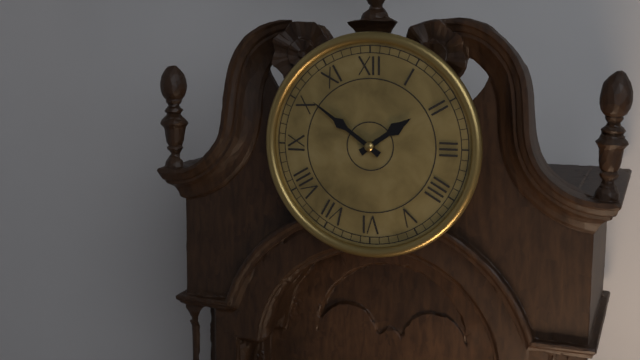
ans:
**1:51**
